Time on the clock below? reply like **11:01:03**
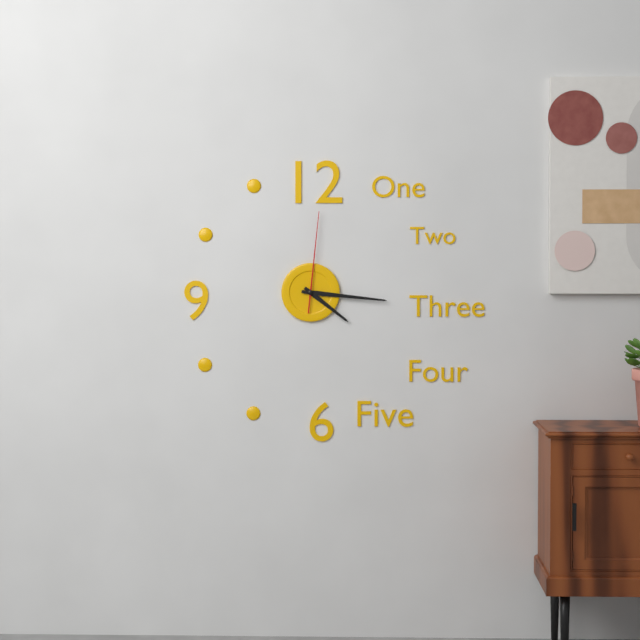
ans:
**4:16:01**
